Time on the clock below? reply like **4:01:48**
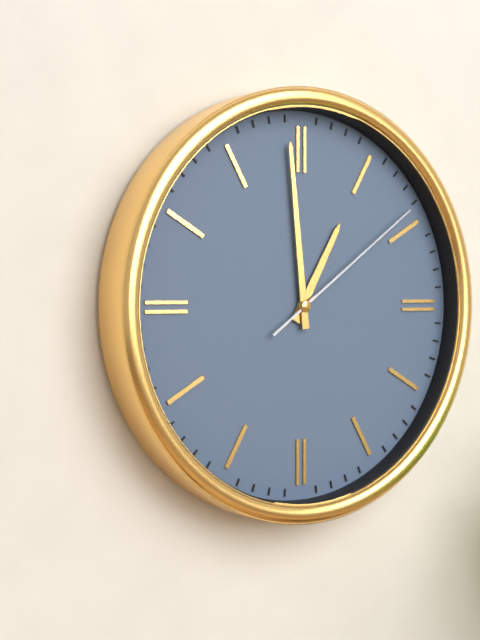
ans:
**12:59:09**
